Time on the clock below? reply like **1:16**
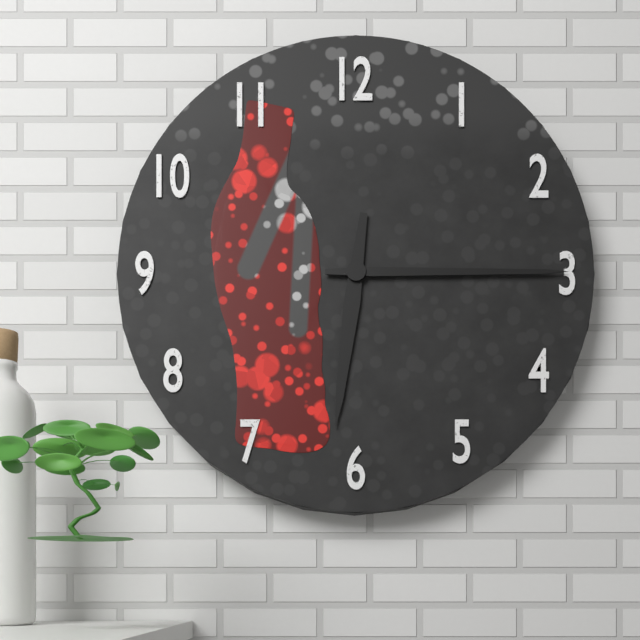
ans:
**6:15**
